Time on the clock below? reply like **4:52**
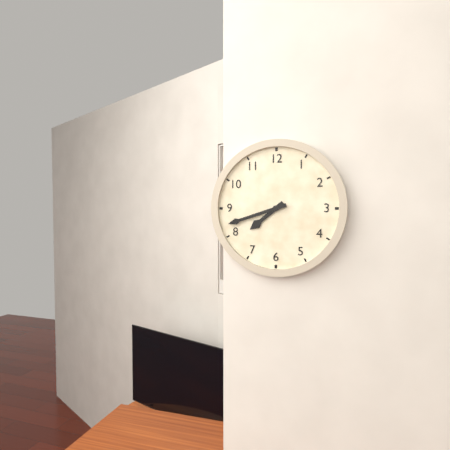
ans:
**7:42**
